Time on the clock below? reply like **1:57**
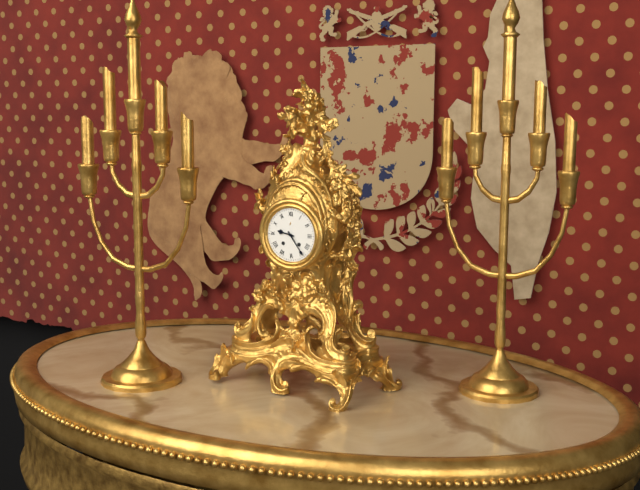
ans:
**9:24**
